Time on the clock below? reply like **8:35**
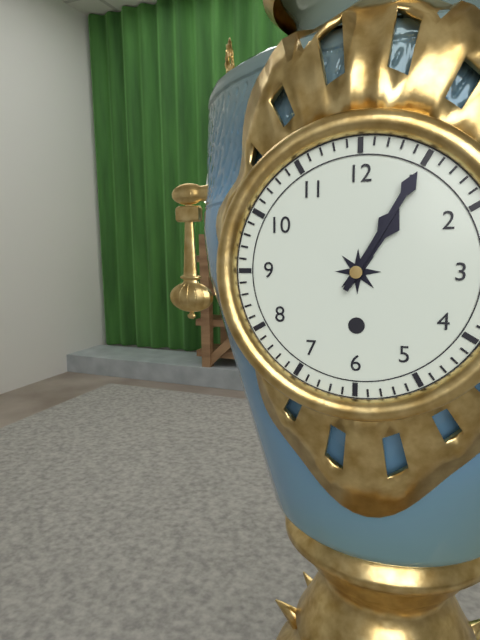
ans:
**1:05**
